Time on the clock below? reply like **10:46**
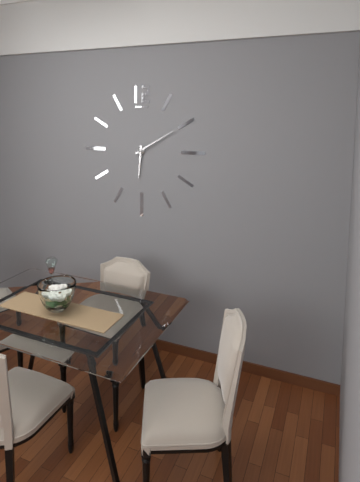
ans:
**6:10**
